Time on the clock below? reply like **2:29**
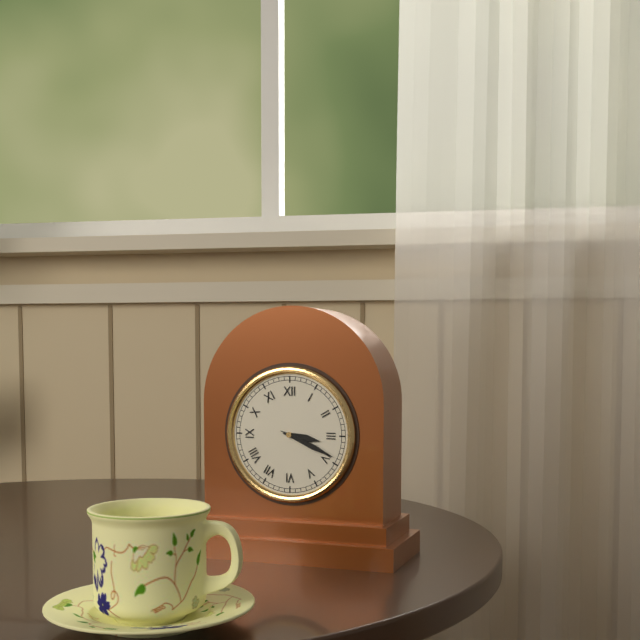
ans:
**3:19**
